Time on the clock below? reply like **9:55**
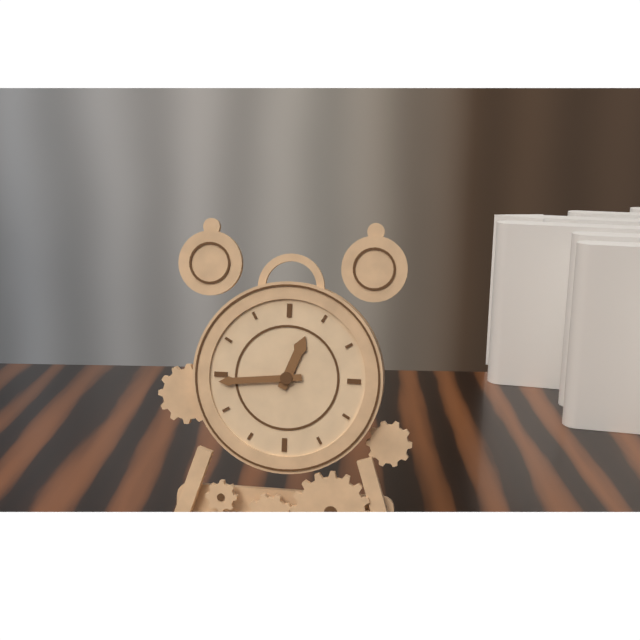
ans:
**12:44**
